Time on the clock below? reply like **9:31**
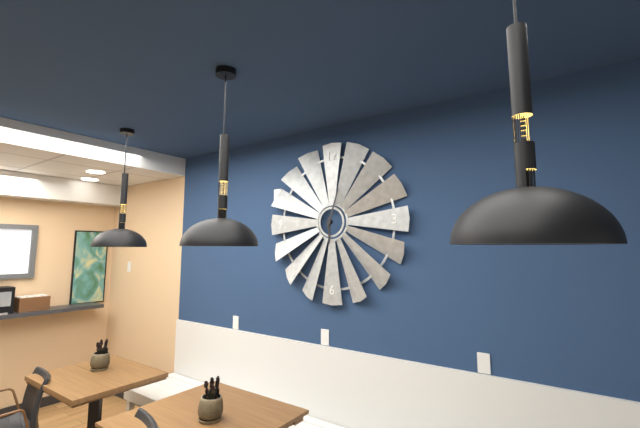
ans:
**6:03**
